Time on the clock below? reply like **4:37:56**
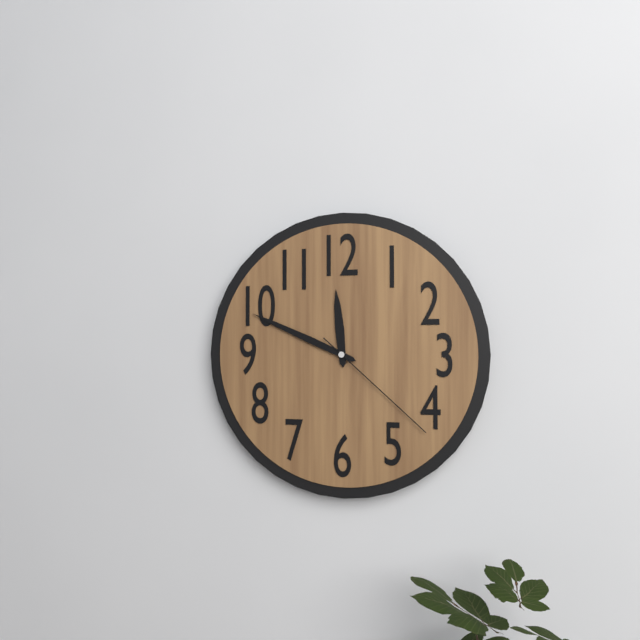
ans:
**11:49:22**
